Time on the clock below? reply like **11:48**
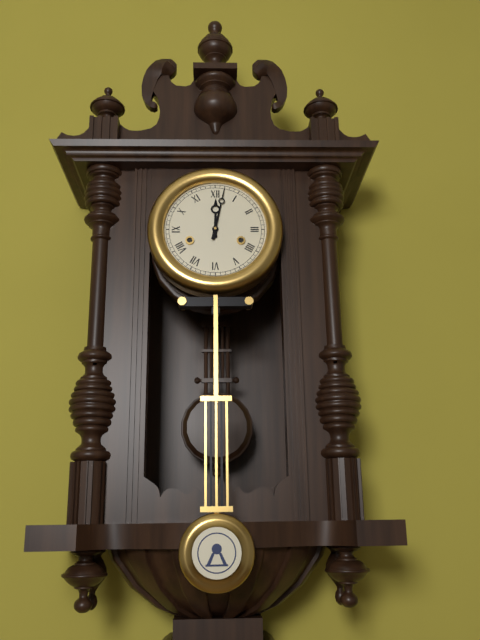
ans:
**12:02**
